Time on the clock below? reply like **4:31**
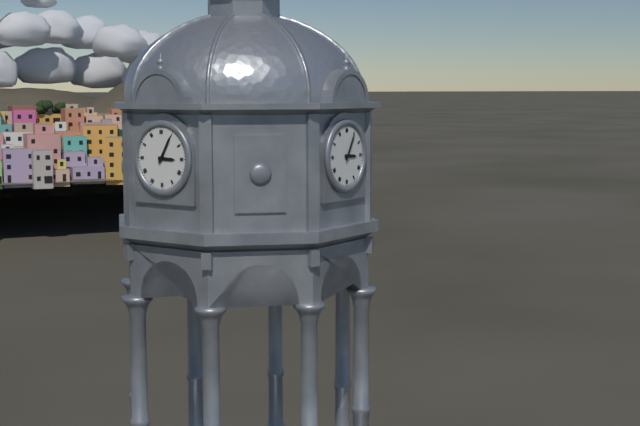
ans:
**3:05**
